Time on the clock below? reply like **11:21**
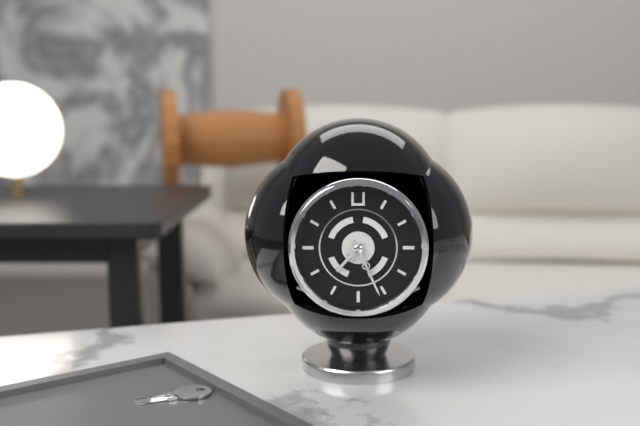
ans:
**7:26**
